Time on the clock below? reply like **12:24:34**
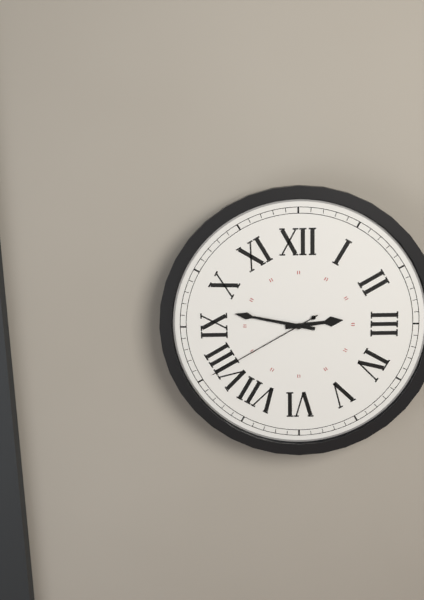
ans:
**2:47:40**
